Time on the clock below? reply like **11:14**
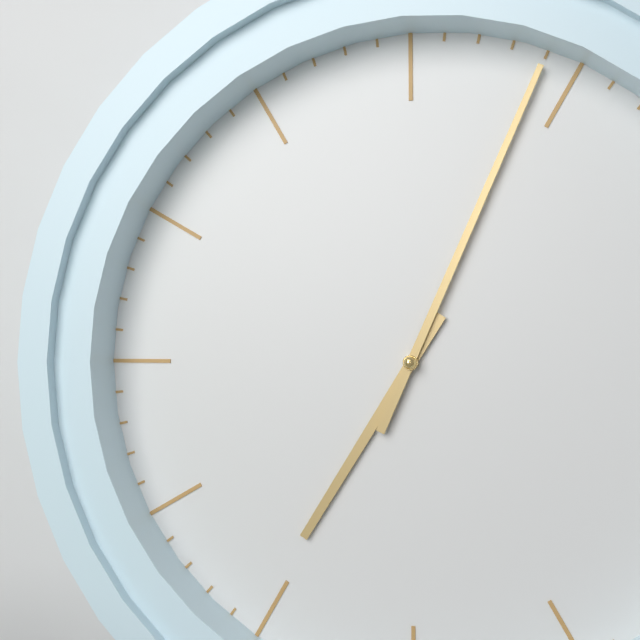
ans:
**7:04**
